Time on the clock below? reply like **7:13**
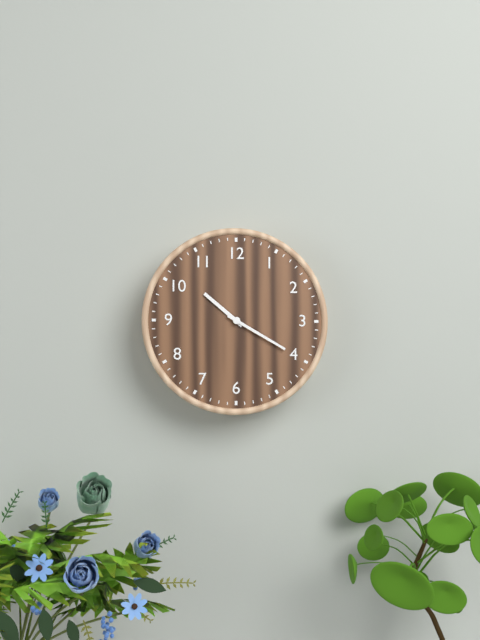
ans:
**10:20**
